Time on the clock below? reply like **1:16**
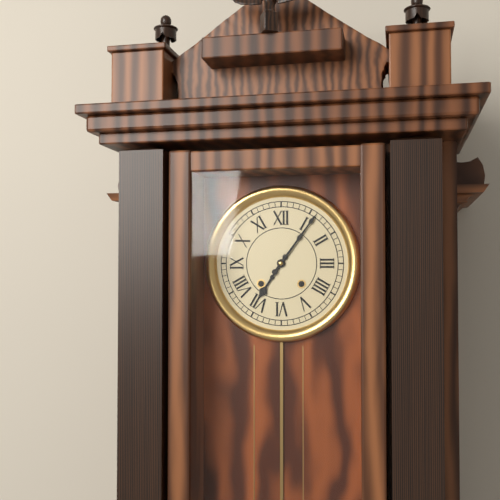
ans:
**7:06**
